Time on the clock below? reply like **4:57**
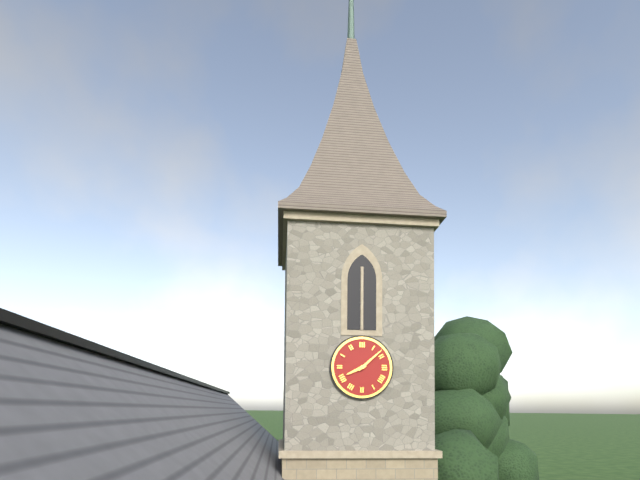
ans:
**8:08**
